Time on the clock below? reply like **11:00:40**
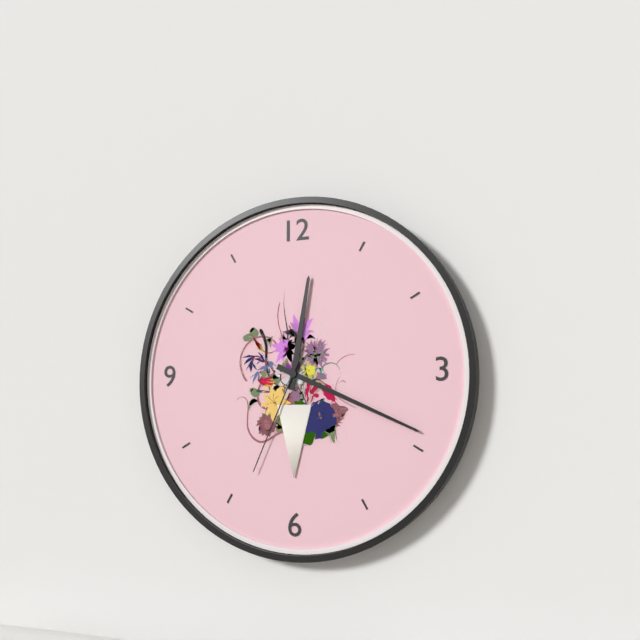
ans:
**12:19:34**
